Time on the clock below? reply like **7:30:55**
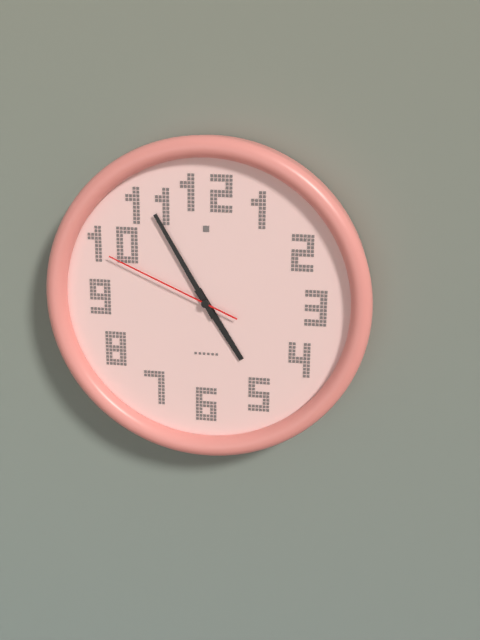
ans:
**4:55:49**
